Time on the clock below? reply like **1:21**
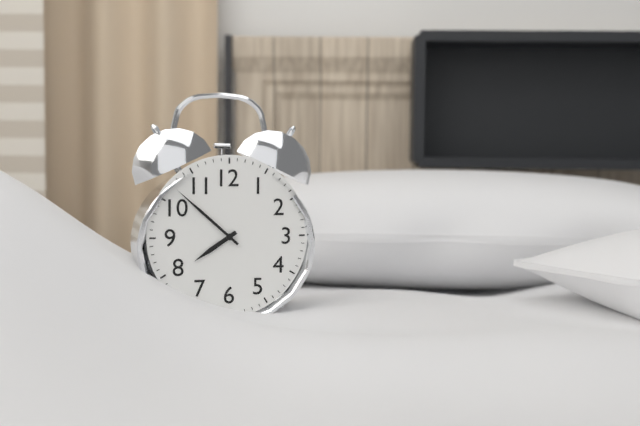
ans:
**7:52**
